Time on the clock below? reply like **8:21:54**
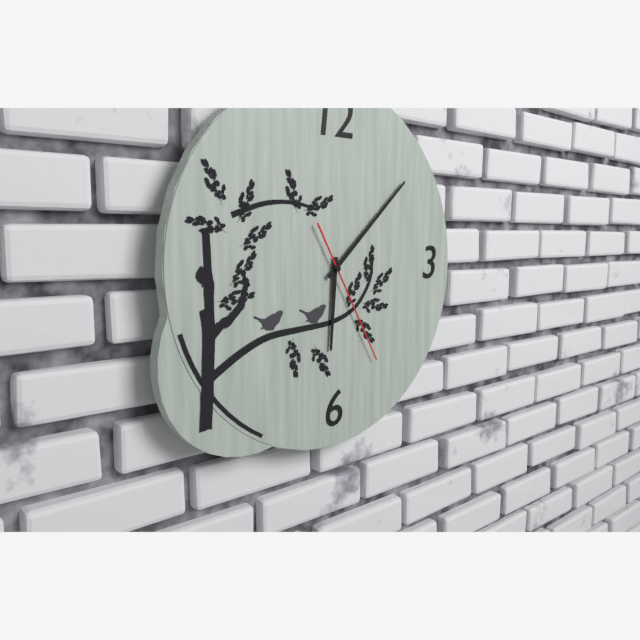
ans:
**6:08:25**
